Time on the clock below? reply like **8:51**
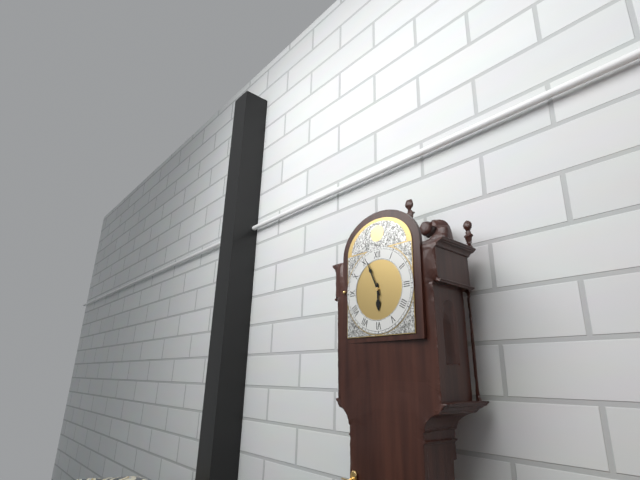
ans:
**5:56**
